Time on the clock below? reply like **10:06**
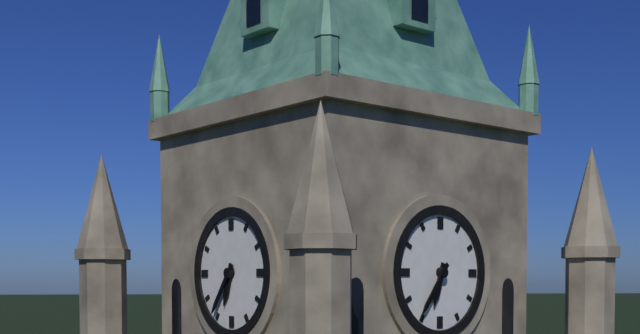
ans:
**6:36**
